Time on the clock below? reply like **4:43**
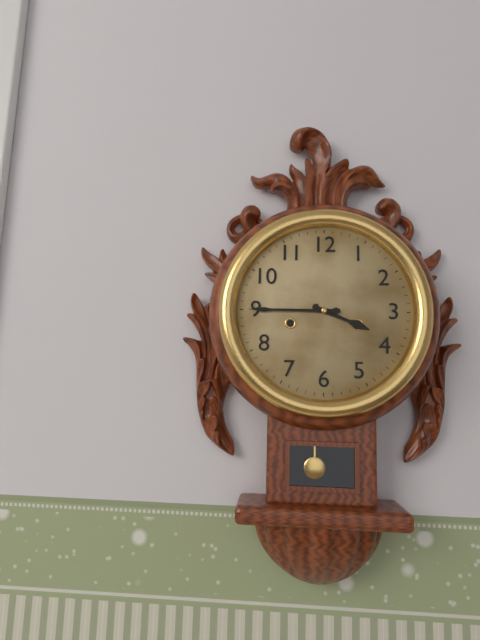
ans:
**3:45**
